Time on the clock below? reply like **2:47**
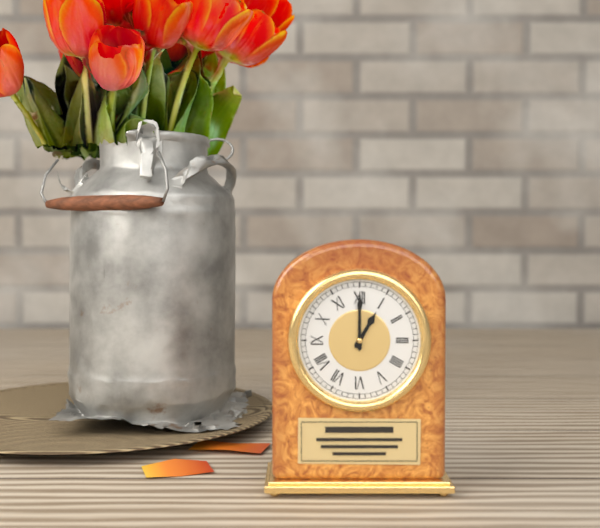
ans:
**1:00**
